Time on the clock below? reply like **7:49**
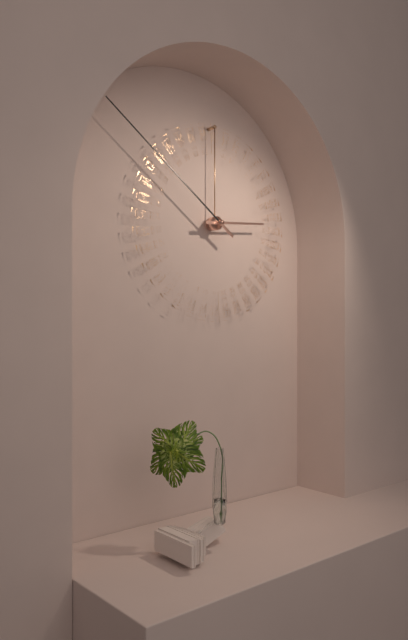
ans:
**2:51**
